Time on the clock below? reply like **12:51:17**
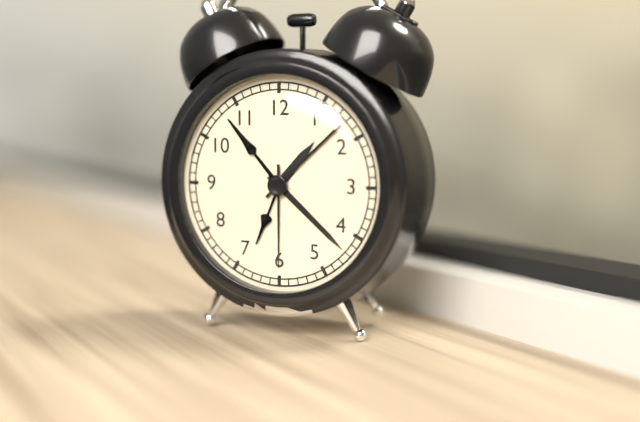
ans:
**1:22:30**
